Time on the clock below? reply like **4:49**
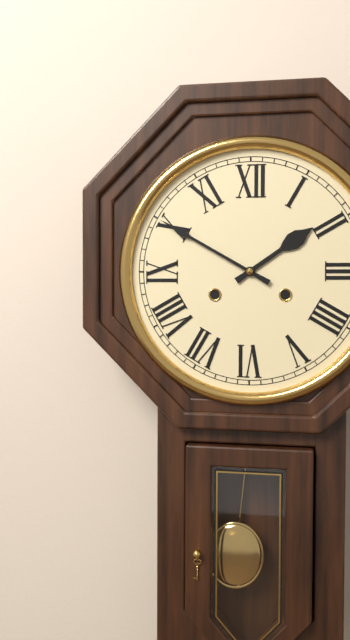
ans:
**1:50**
